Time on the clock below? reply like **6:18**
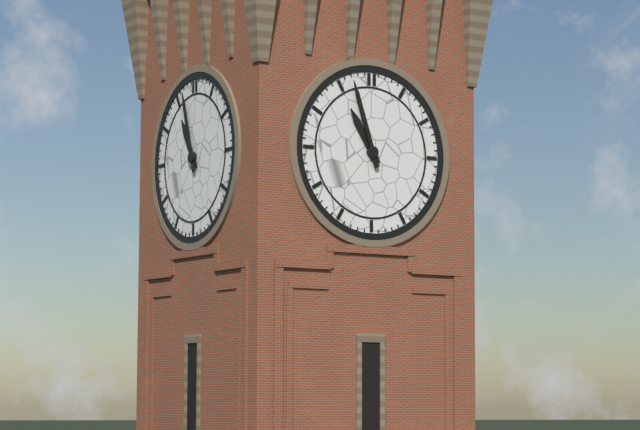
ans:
**10:57**
